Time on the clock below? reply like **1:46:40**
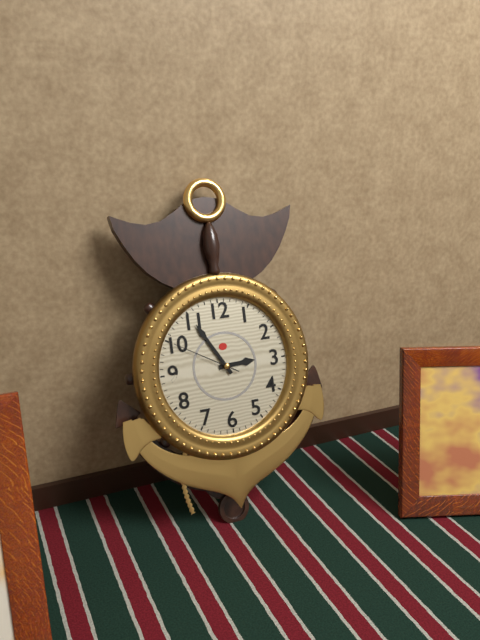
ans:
**2:55:50**
